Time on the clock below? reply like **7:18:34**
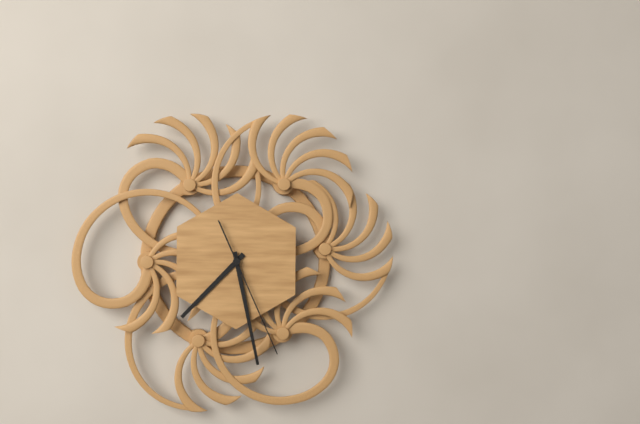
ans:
**7:28:26**
